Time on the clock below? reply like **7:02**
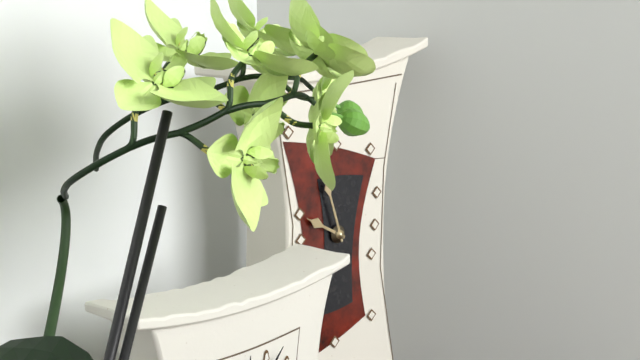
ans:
**9:57**
